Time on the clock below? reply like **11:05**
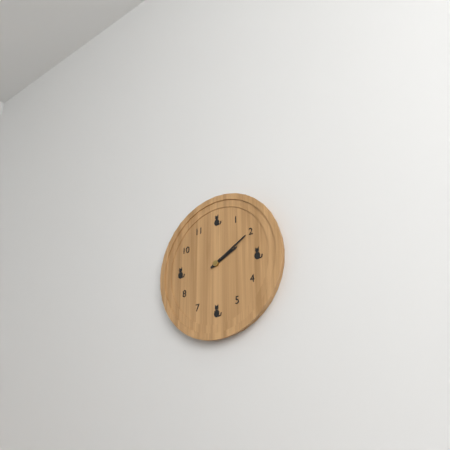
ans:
**2:10**
